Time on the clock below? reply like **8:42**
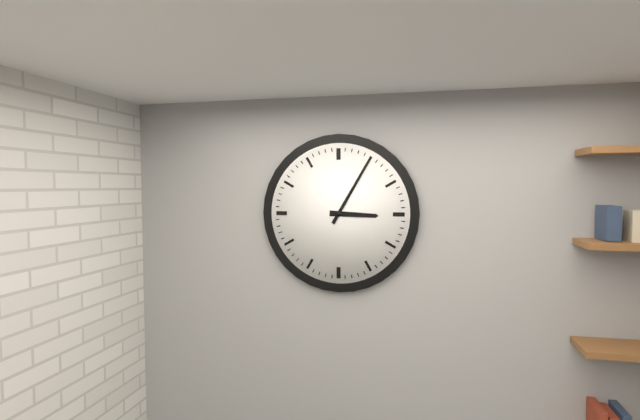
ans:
**3:05**
